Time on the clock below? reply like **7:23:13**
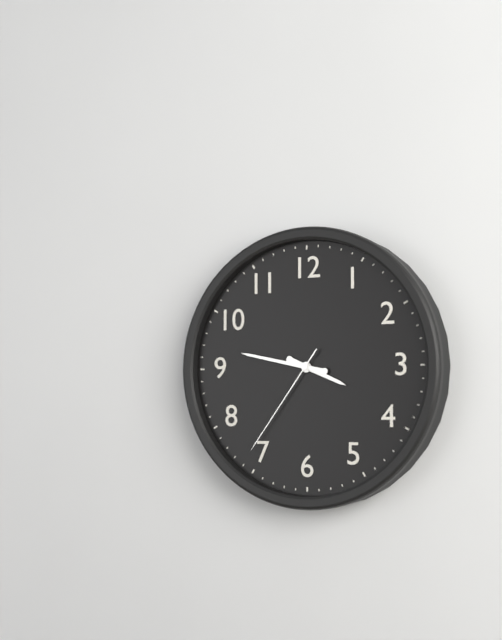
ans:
**3:47:36**
